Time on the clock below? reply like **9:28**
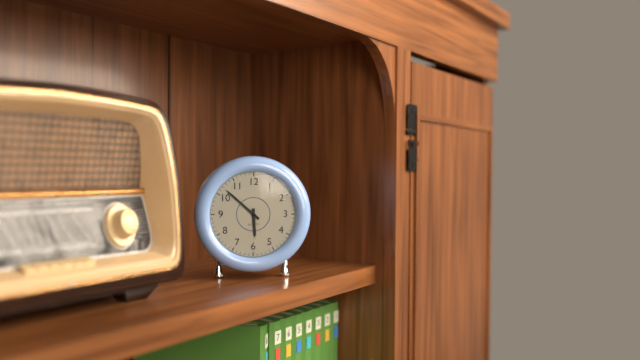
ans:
**5:52**
